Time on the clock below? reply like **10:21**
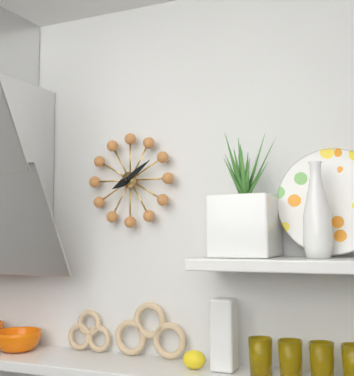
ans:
**8:09**
